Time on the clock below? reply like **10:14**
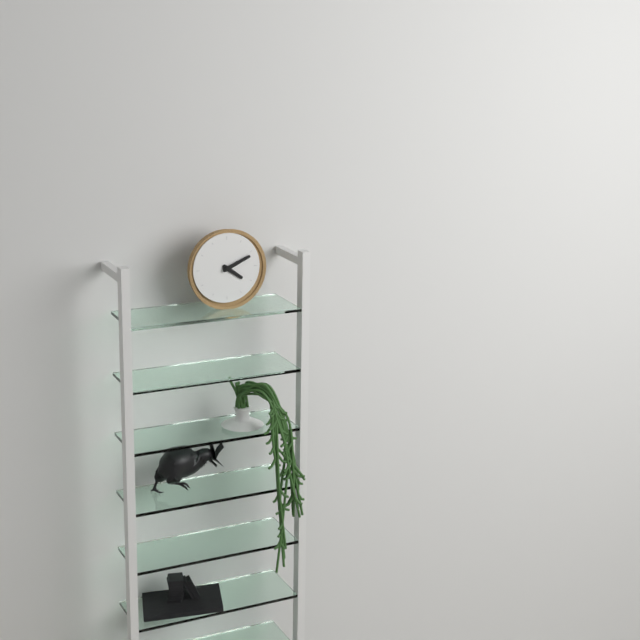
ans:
**4:11**
